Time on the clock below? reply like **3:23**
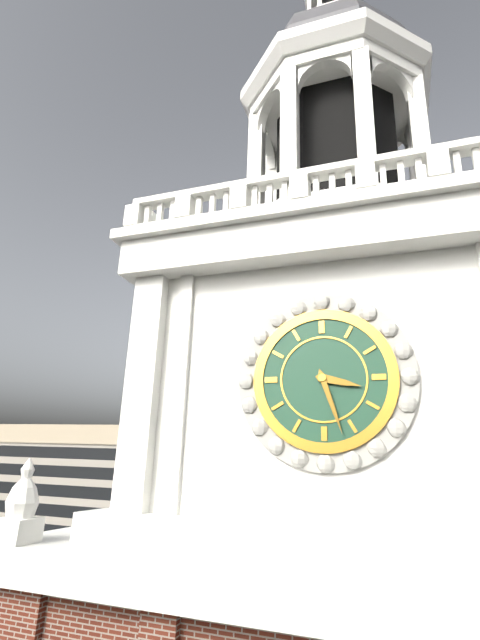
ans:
**3:27**
